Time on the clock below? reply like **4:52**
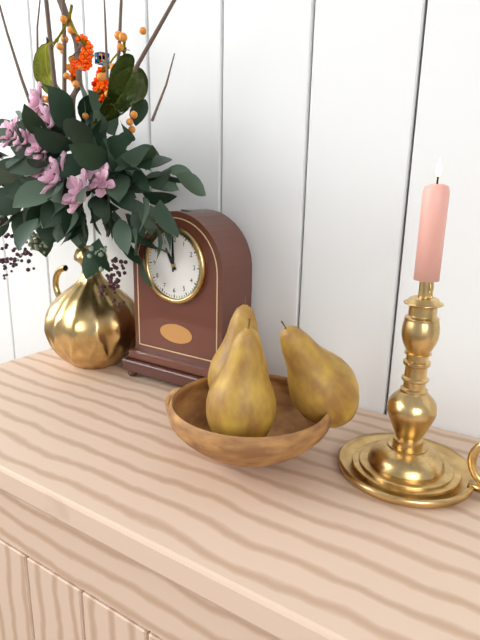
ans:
**11:00**
